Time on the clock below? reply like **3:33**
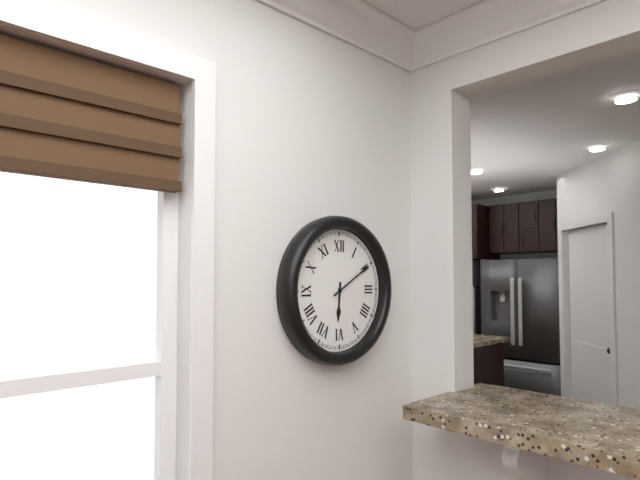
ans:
**6:10**
